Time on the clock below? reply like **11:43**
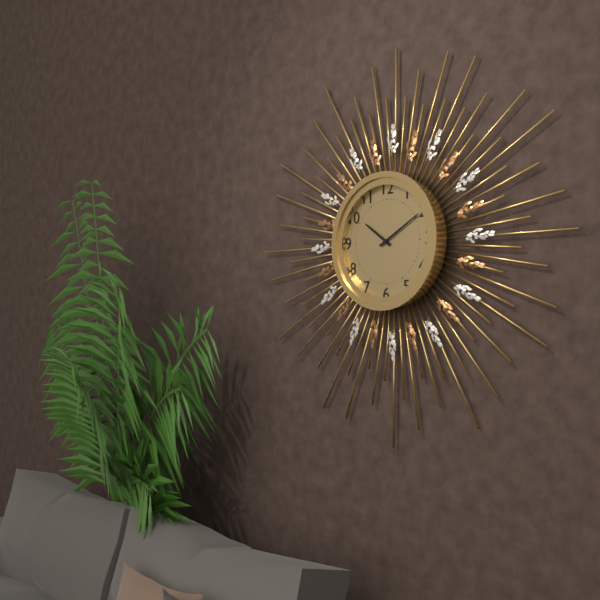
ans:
**10:10**
